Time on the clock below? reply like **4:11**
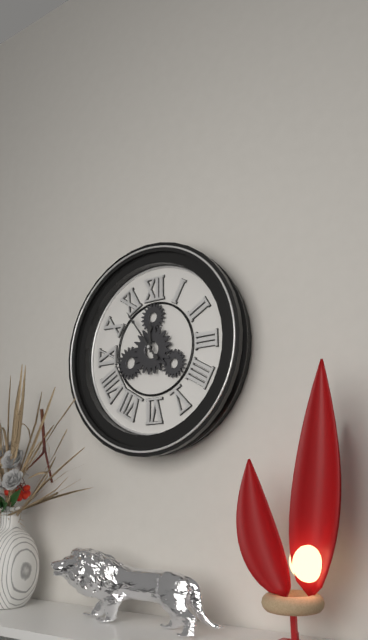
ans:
**11:54**
